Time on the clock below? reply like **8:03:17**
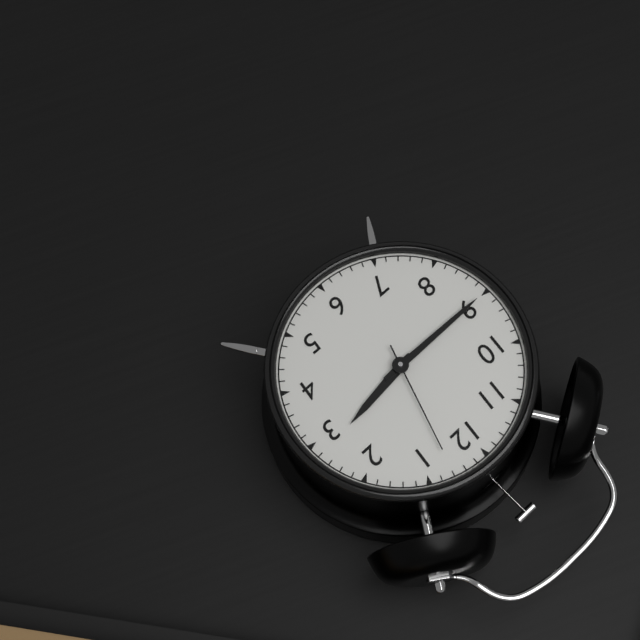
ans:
**2:45:03**
